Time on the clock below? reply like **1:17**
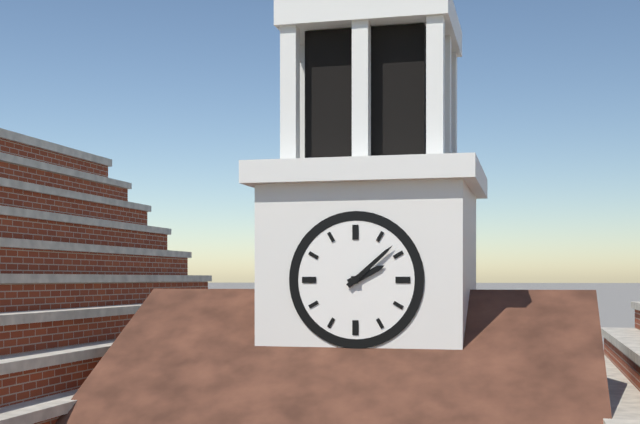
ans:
**2:08**
